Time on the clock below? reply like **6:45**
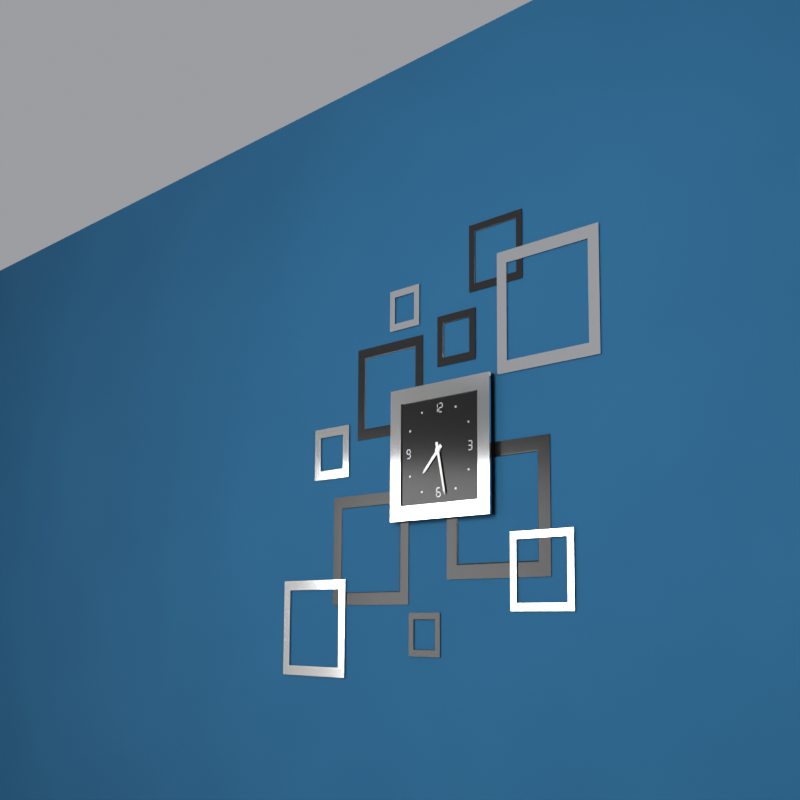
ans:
**7:28**
